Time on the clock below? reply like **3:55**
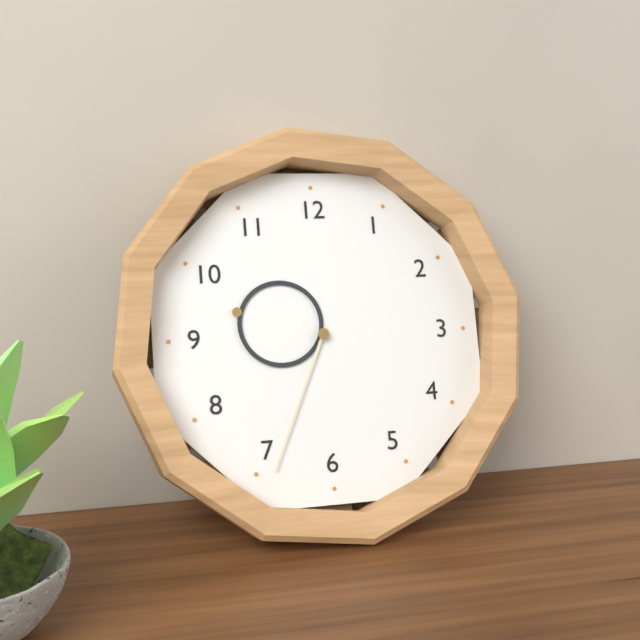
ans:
**9:34**
